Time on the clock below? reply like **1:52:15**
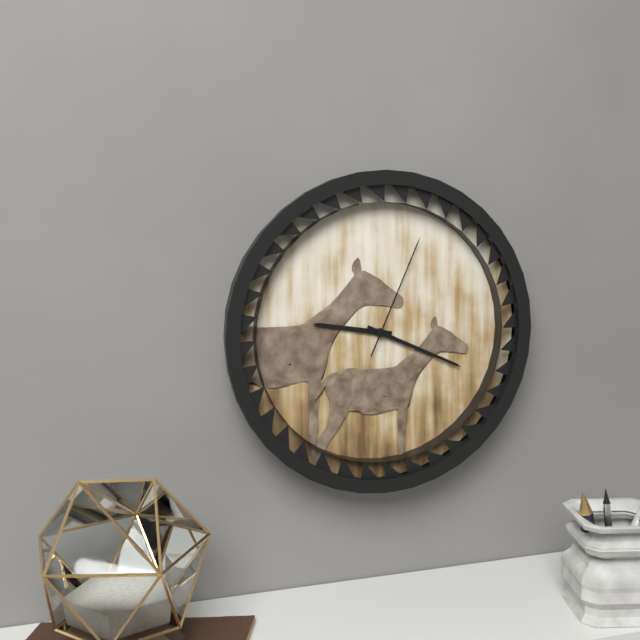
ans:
**9:19:04**
